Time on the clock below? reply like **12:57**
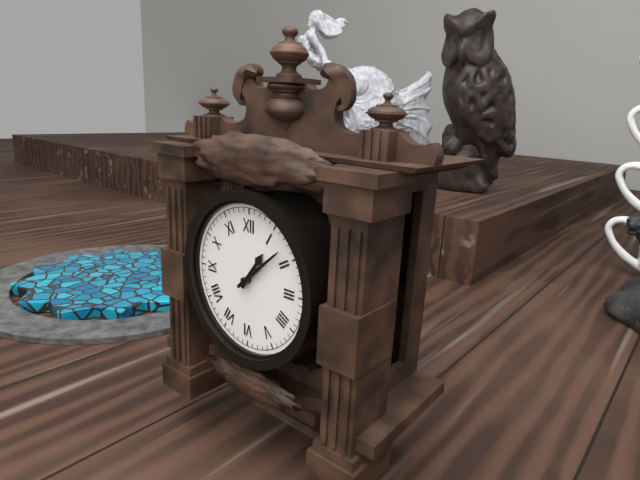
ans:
**1:08**
